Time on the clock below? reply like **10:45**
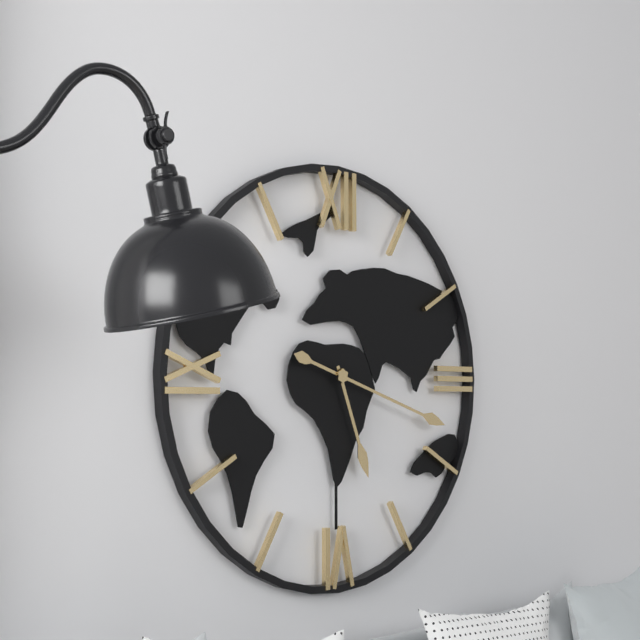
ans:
**5:18**
